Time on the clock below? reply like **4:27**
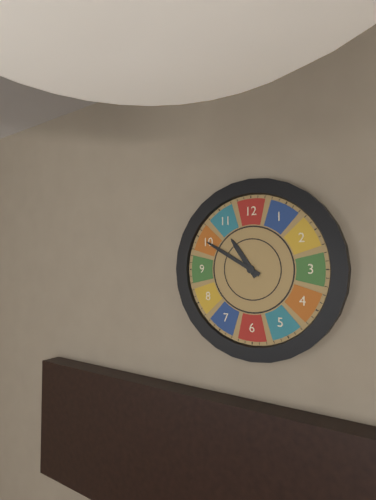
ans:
**10:50**
